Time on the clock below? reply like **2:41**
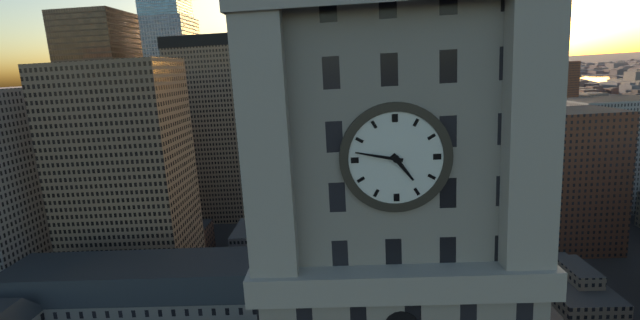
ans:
**4:47**
